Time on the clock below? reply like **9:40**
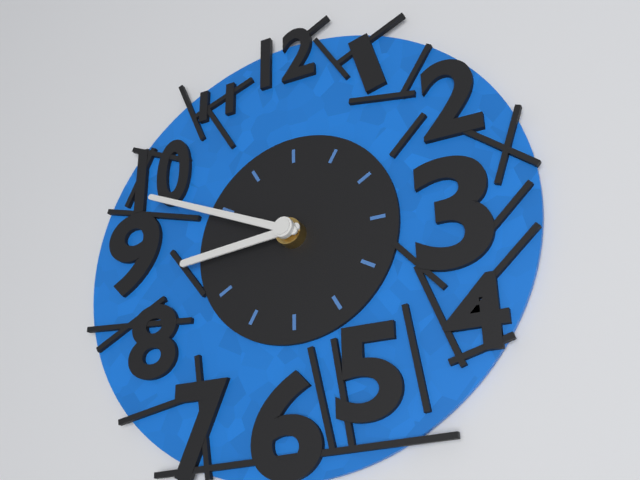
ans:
**8:49**
